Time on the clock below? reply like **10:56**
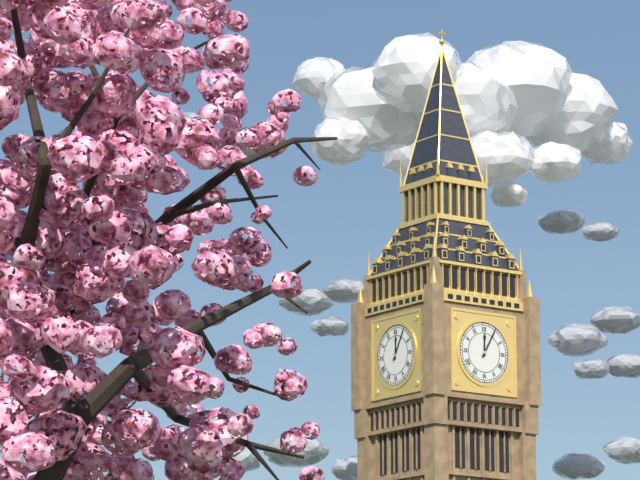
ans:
**12:05**
